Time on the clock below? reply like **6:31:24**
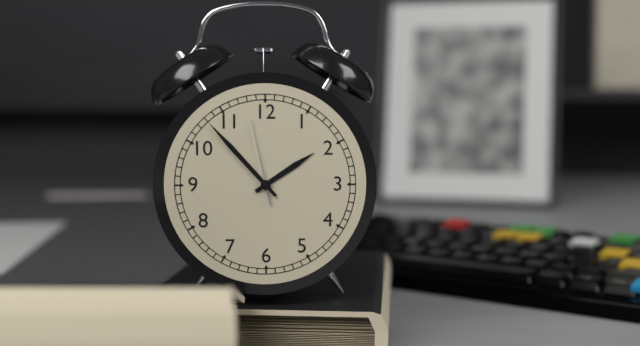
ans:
**1:53:58**
